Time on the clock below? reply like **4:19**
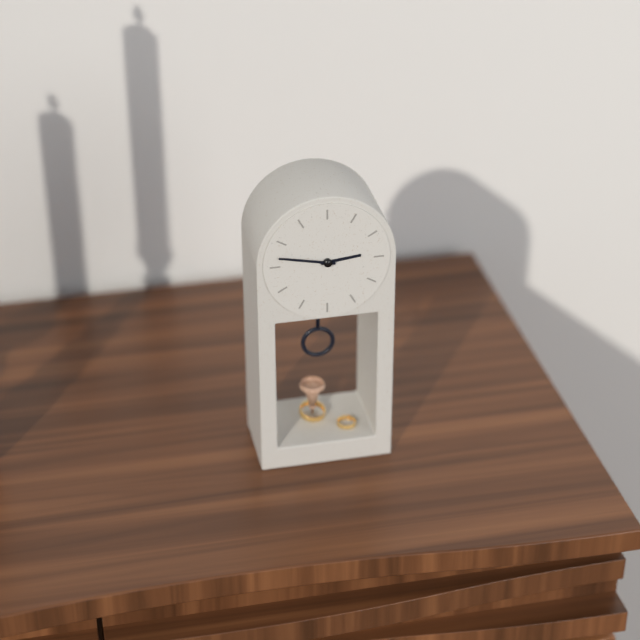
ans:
**2:47**
